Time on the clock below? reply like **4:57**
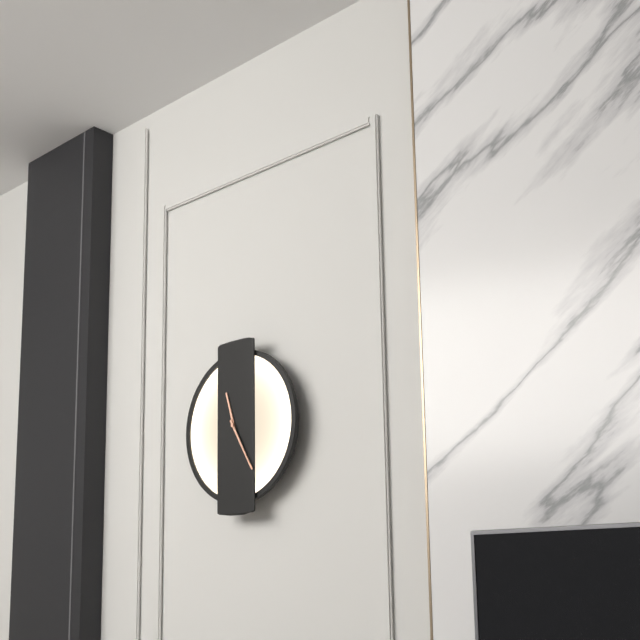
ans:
**11:25**
